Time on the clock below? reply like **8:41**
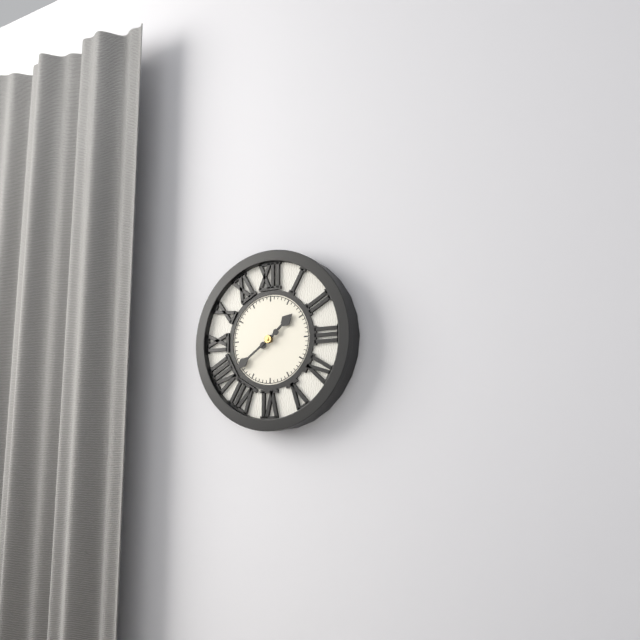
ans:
**1:39**
